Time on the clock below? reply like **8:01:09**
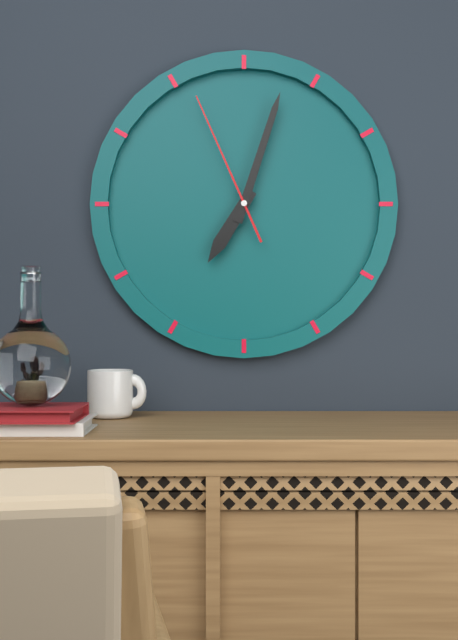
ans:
**7:03:56**
